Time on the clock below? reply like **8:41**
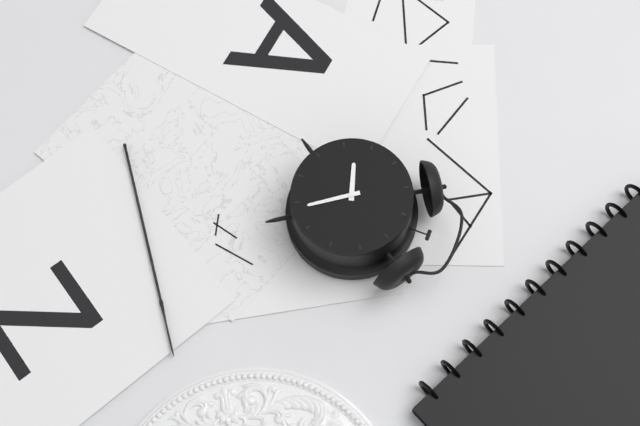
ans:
**8:24**
